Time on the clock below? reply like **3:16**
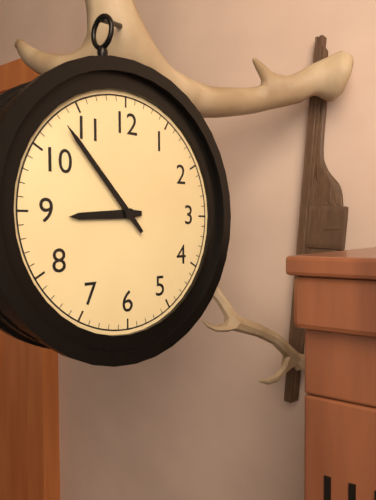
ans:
**8:53**
